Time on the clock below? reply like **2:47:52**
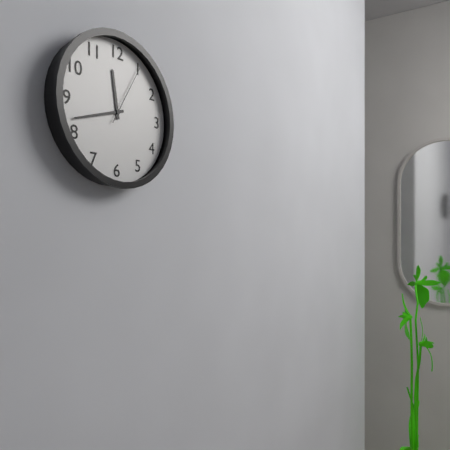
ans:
**11:42:05**
